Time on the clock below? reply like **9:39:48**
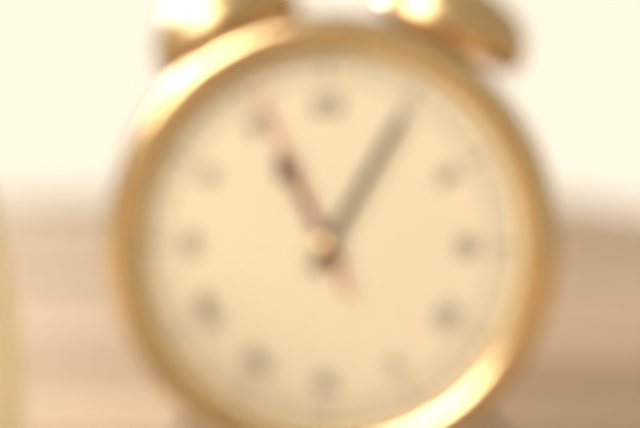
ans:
**11:05:56**
